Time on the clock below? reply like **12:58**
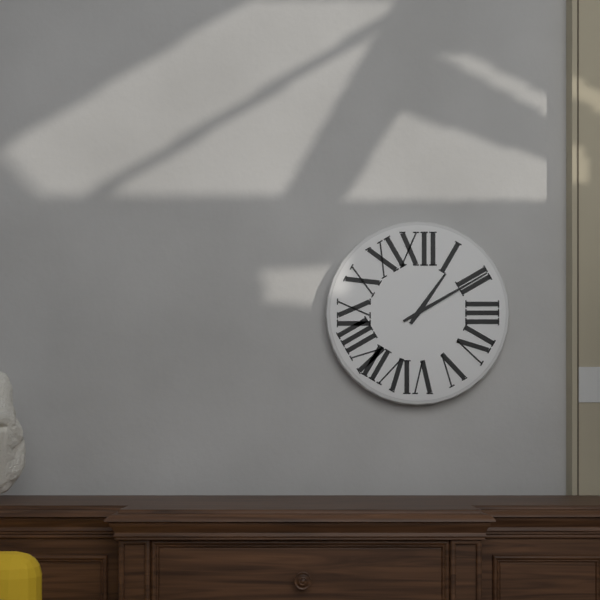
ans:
**1:10**
